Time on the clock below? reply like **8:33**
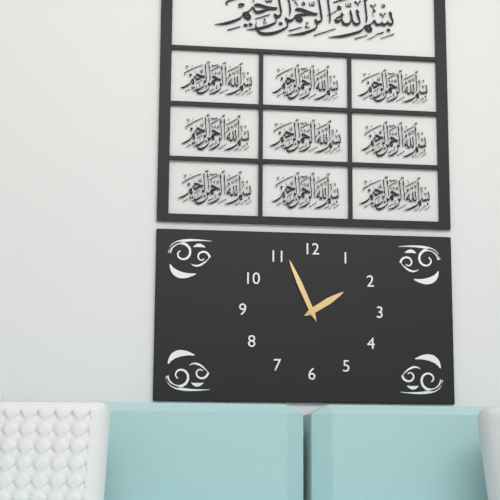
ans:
**1:56**
